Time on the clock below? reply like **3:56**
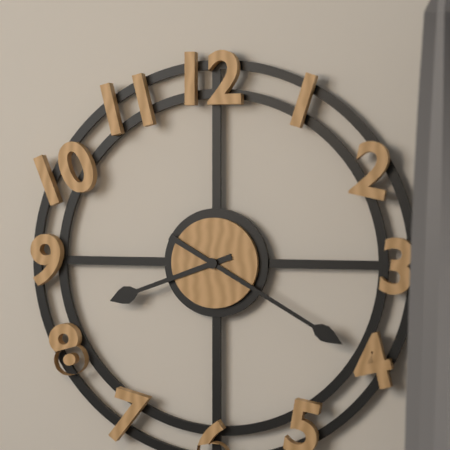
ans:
**8:20**
